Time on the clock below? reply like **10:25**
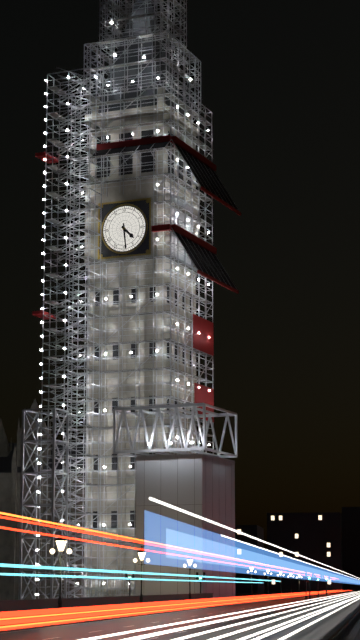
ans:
**4:29**
